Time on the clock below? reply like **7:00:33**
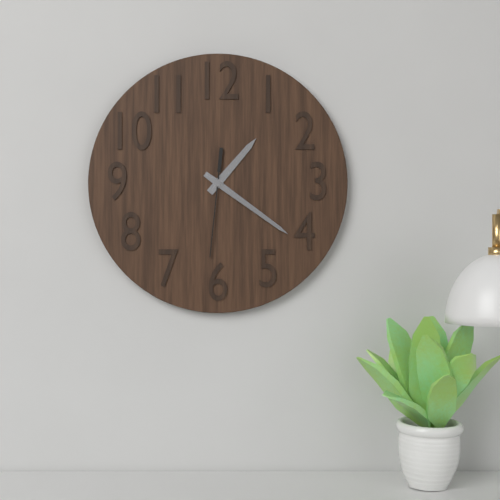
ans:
**1:21:31**
